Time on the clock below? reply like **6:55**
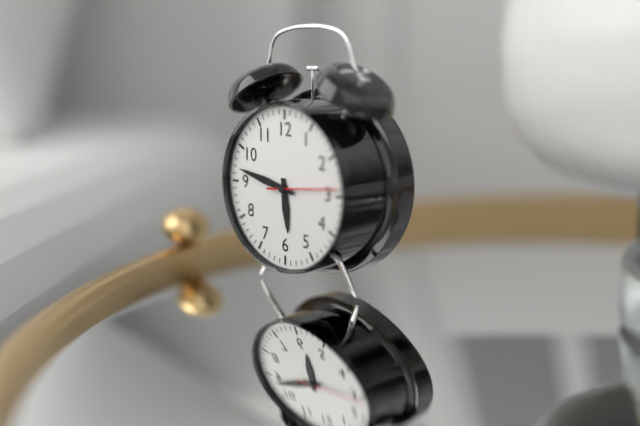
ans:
**5:47**
